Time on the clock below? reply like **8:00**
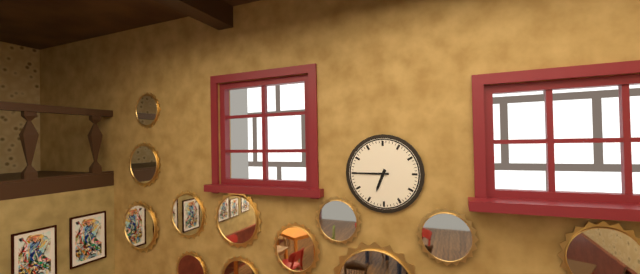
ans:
**6:45**
